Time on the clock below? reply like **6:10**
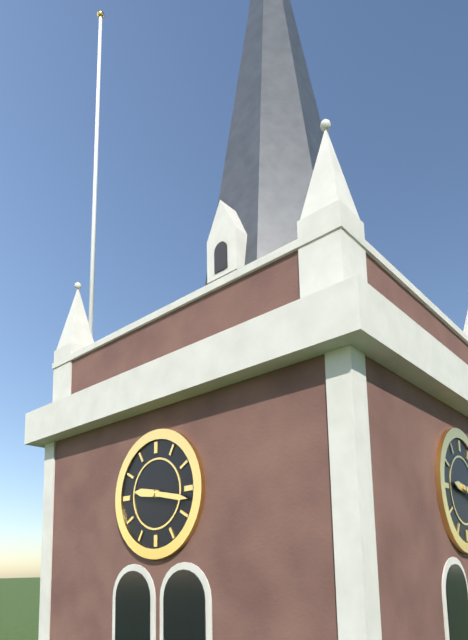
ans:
**9:17**
